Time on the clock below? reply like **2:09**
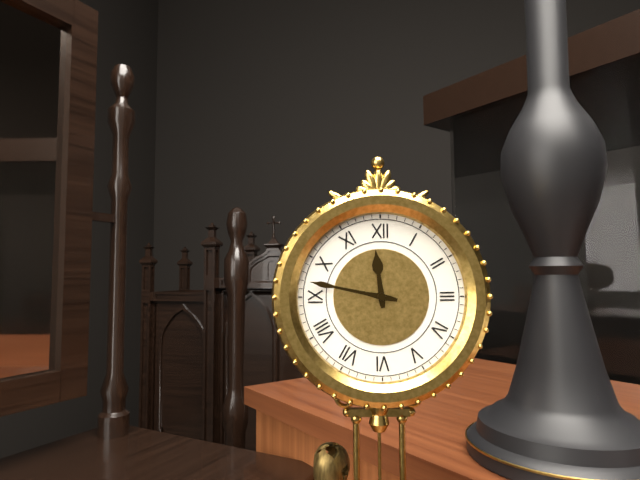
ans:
**11:47**
